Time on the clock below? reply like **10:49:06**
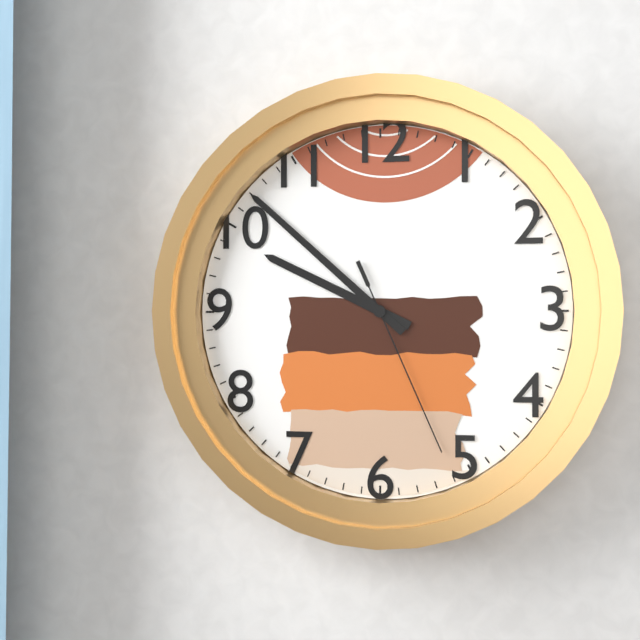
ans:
**9:52:26**
